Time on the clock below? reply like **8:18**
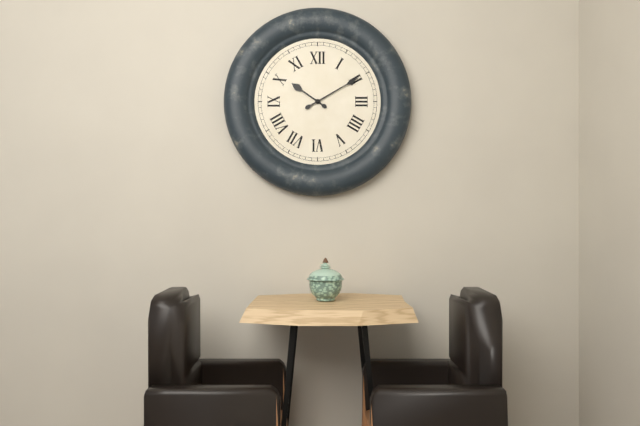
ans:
**10:10**
